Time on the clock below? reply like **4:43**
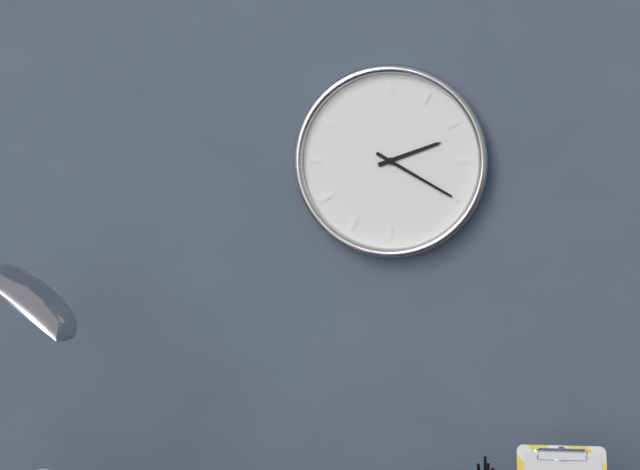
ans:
**2:20**
